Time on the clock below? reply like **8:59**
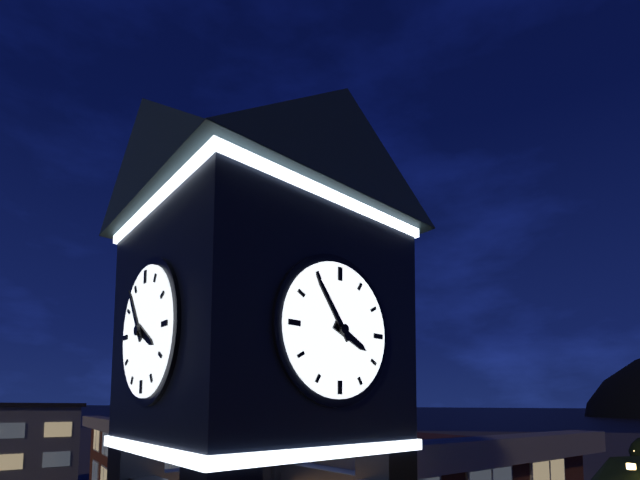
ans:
**3:54**
